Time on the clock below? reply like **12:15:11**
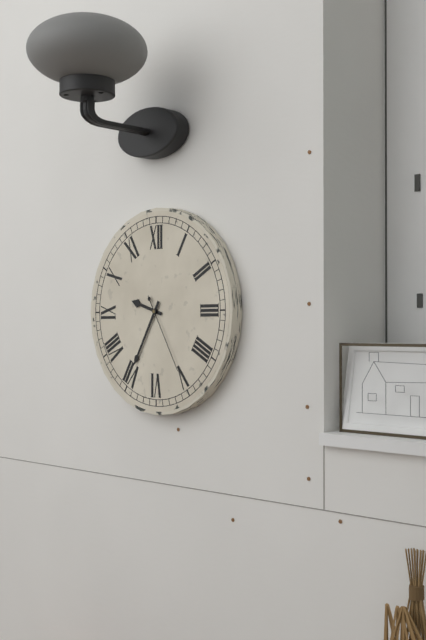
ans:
**9:35:25**
